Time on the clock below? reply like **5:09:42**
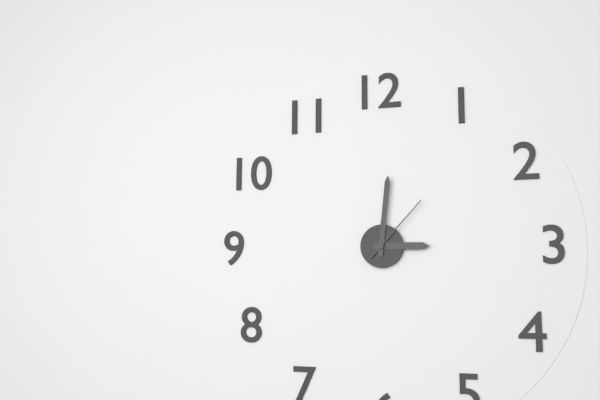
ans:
**3:01:07**
